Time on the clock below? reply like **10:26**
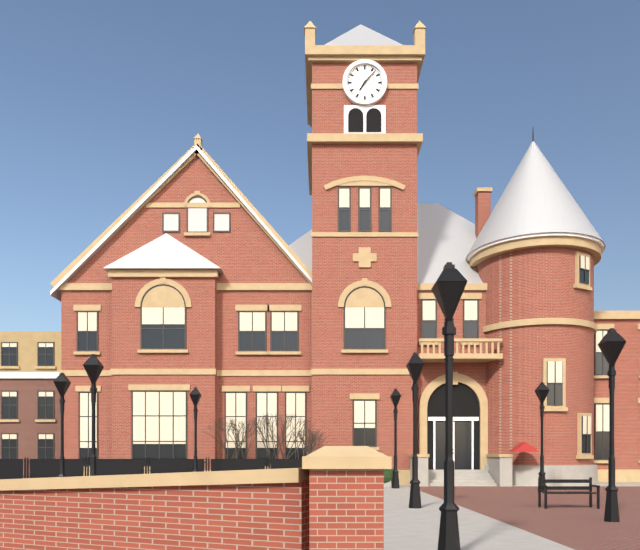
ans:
**7:07**
